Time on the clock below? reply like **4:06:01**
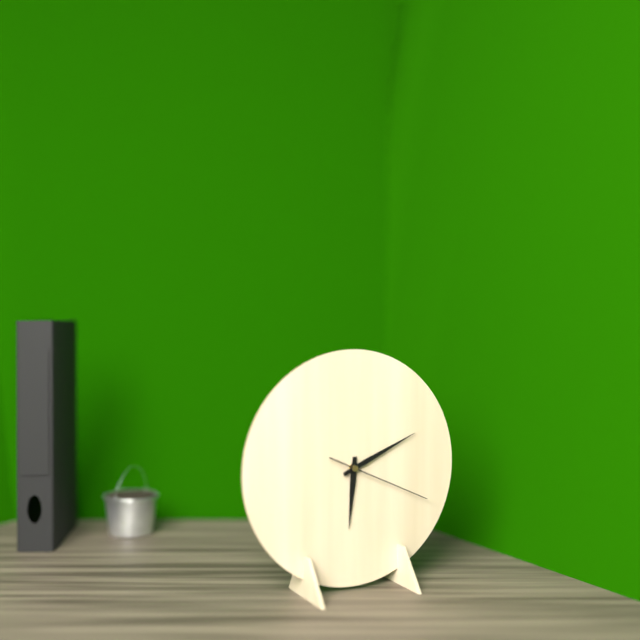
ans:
**6:11:19**
